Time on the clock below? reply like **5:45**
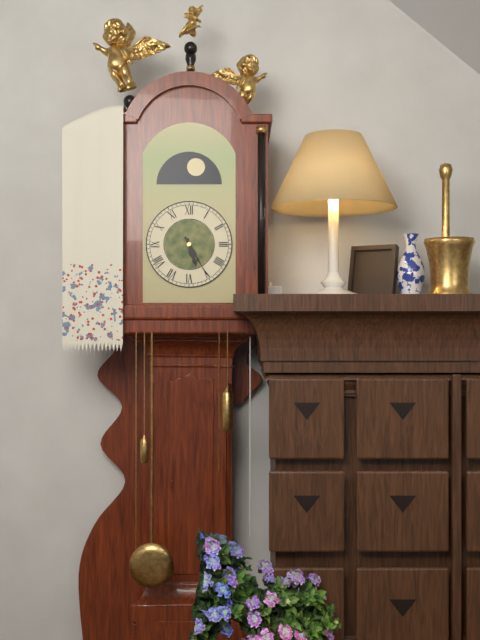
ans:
**5:25**
